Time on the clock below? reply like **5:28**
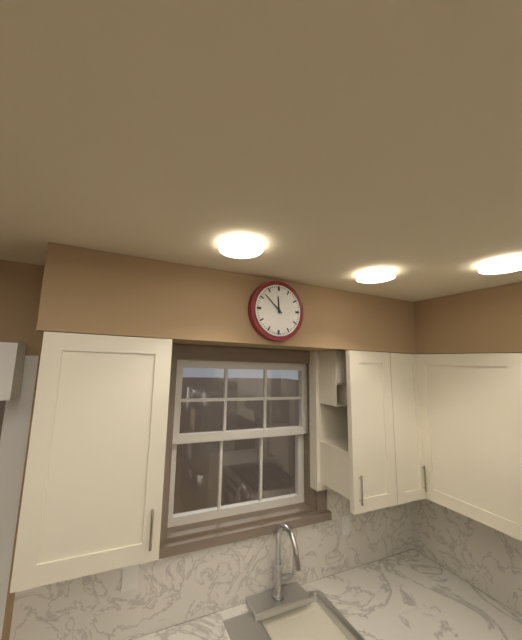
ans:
**11:52**
